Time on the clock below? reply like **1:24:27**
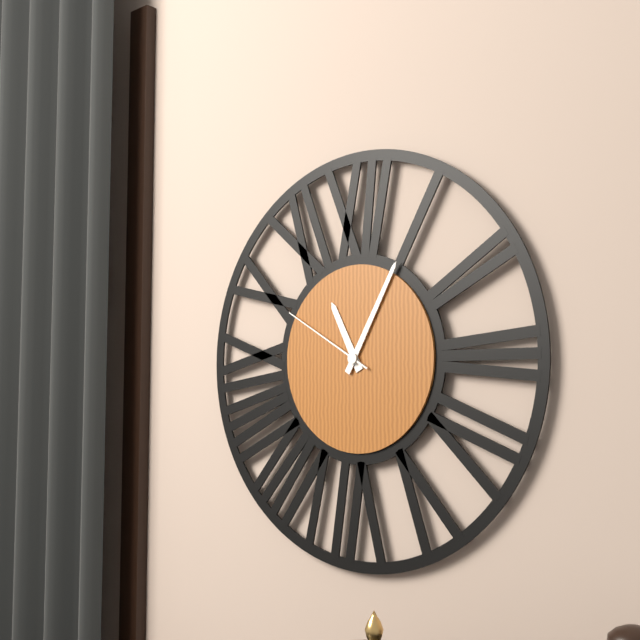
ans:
**11:05:50**
